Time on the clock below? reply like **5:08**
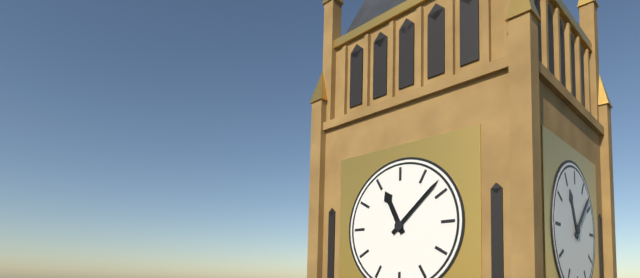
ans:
**11:08**
